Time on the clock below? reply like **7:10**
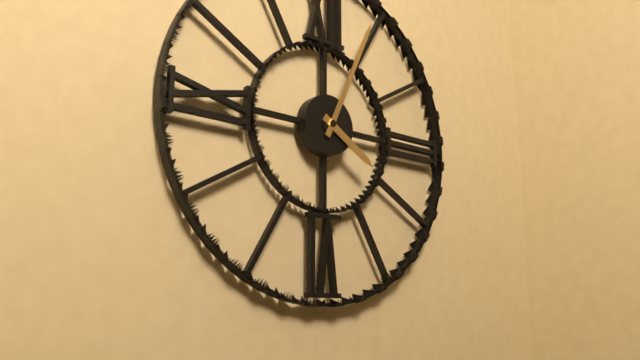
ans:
**4:04**
